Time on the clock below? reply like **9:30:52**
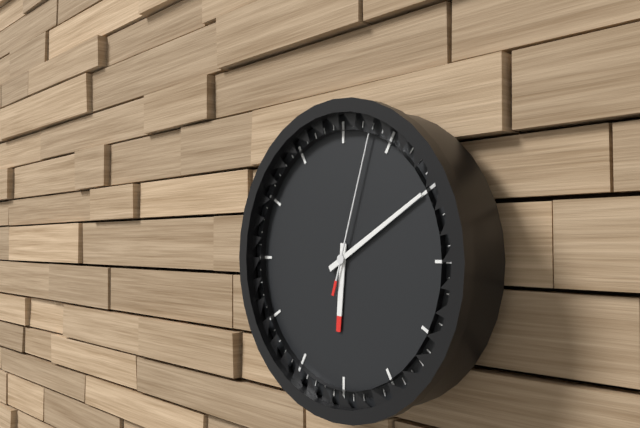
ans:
**6:10:03**
